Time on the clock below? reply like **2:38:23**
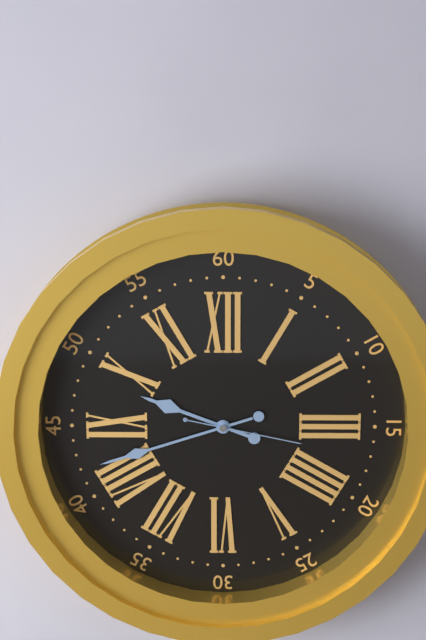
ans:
**9:42:17**
